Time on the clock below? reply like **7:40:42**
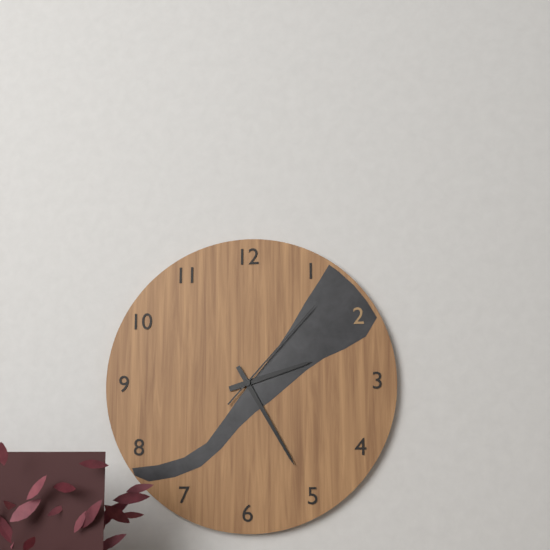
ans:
**2:25:07**
